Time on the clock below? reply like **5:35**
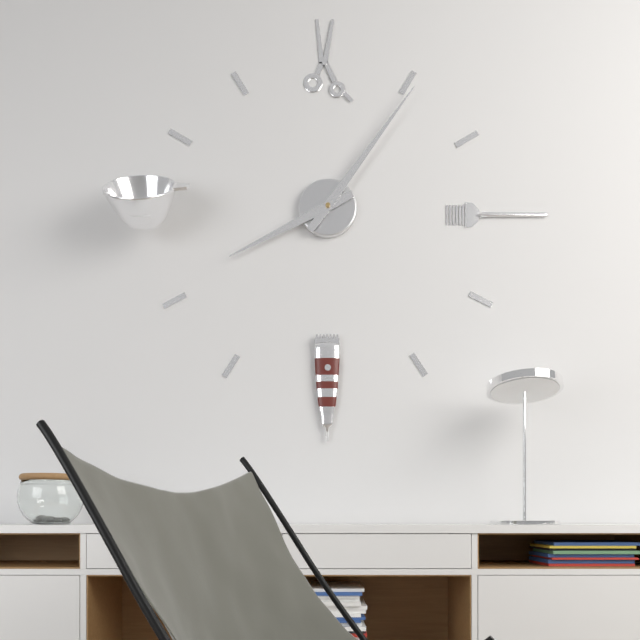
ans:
**8:06**
